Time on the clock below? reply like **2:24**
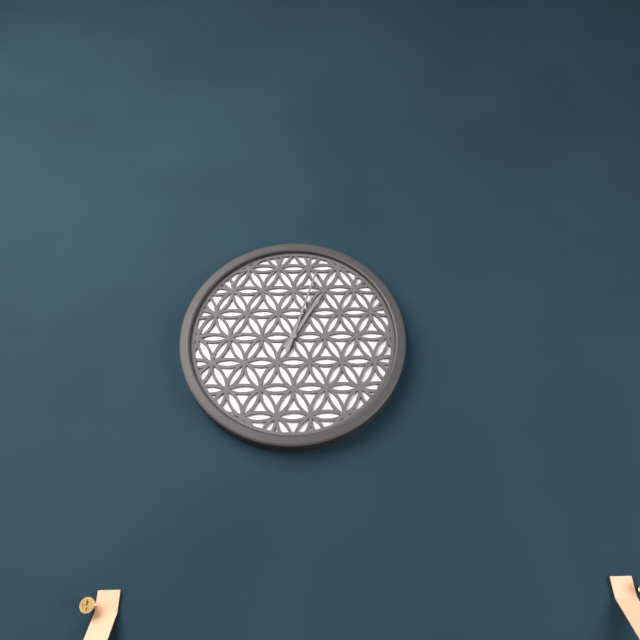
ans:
**1:03**
